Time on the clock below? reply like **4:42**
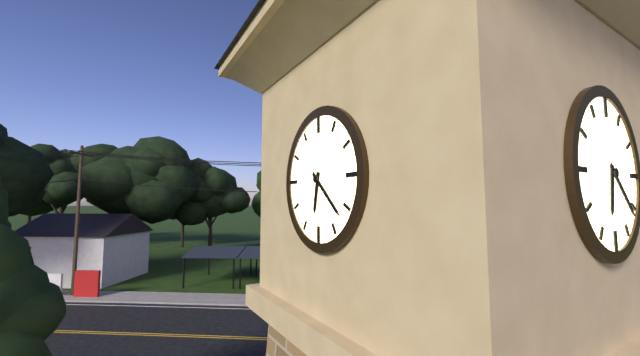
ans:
**6:22**
